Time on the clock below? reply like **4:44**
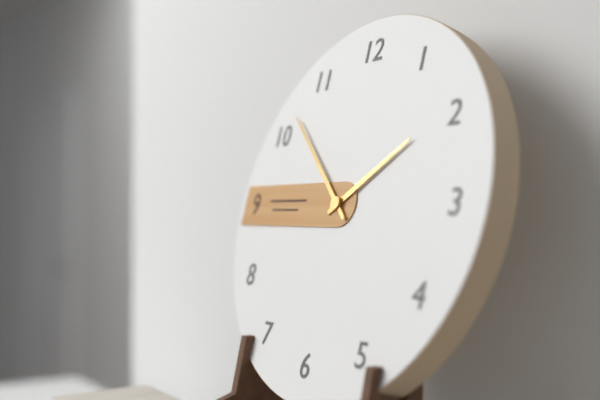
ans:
**1:52**
